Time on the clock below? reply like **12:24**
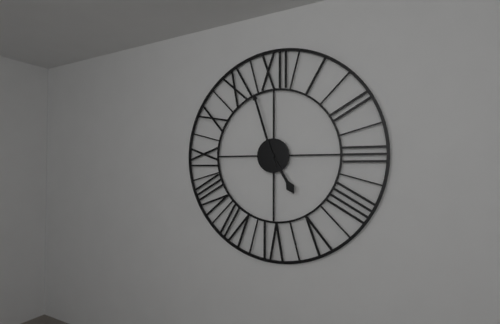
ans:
**4:57**
